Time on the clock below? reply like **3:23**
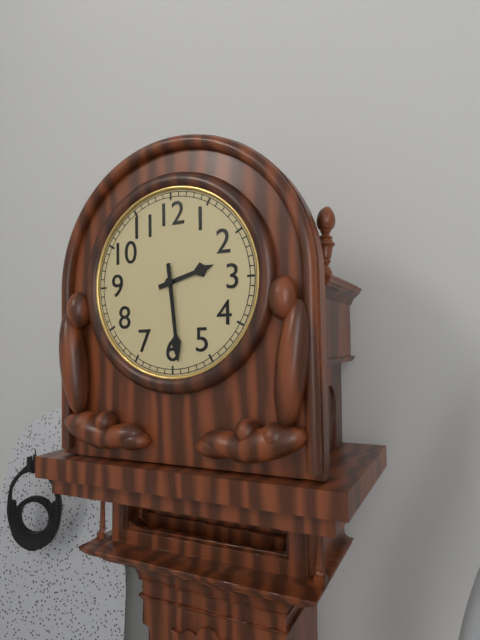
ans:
**2:29**
